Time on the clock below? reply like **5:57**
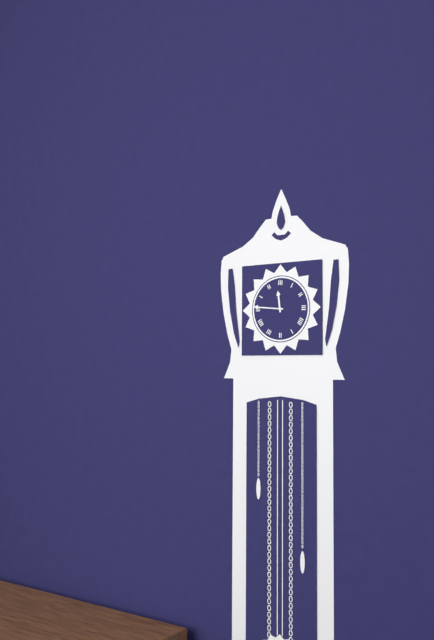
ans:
**11:46**
